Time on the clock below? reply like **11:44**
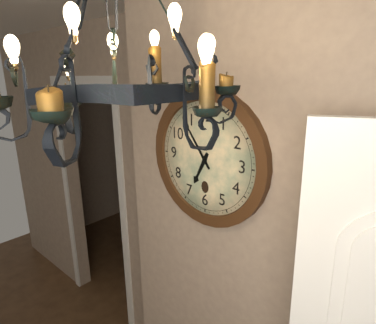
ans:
**6:54**
